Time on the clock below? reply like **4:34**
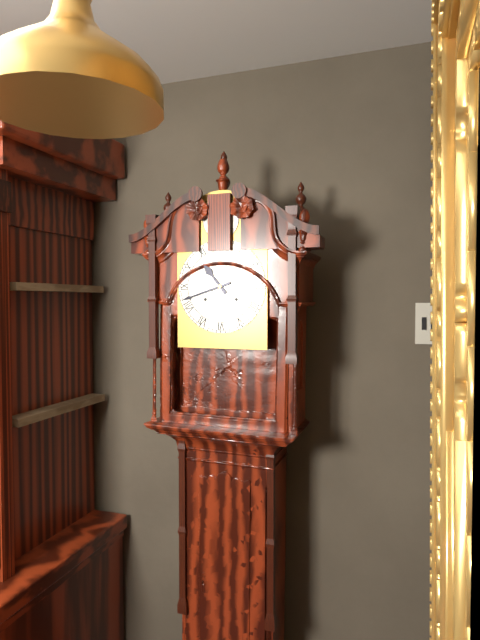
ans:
**10:42**
